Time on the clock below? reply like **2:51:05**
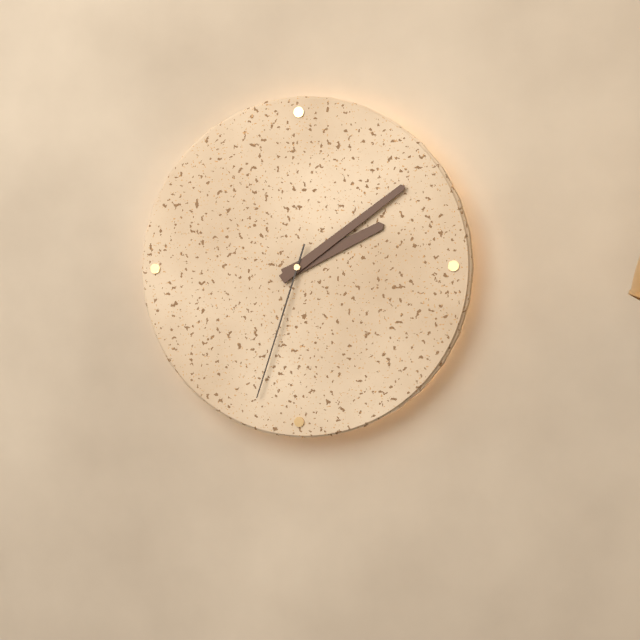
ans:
**2:09:33**
